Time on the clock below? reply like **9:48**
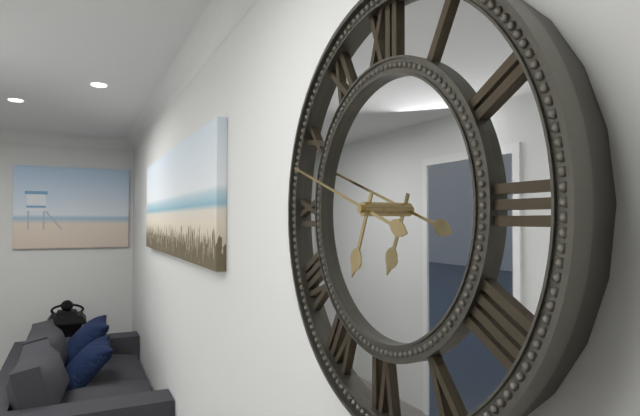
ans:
**6:48**
